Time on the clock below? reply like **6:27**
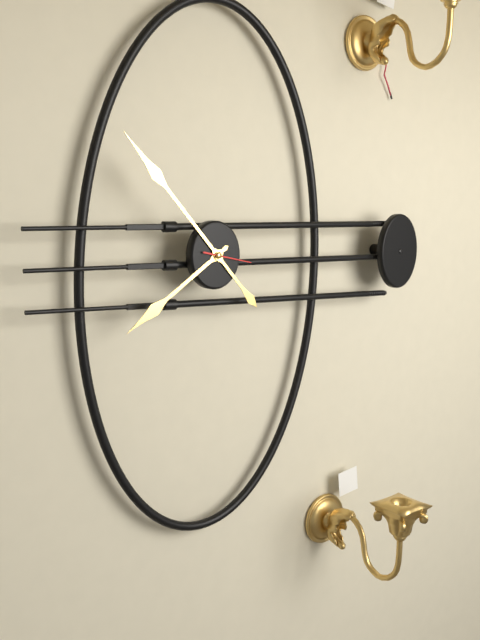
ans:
**7:53**
